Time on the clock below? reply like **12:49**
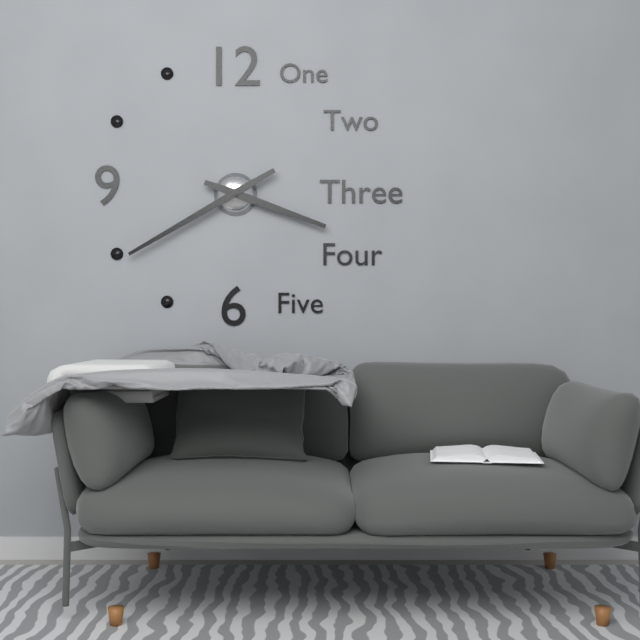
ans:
**3:40**
